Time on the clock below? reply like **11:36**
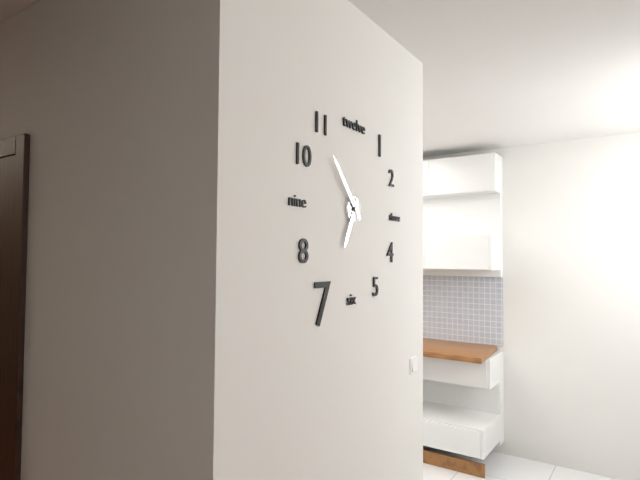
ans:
**6:53**
